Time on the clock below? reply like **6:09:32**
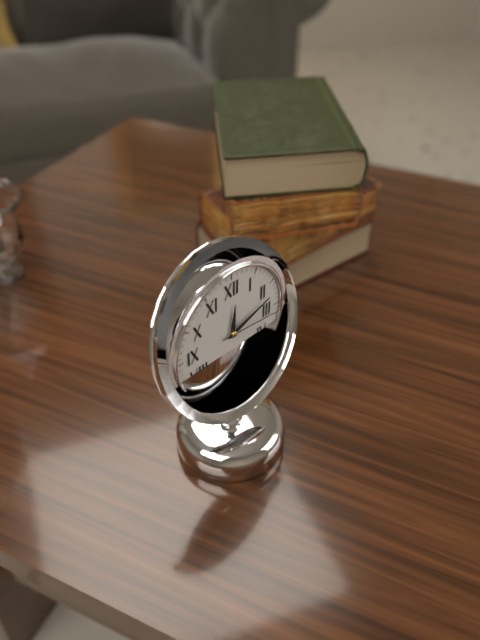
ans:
**12:12:16**
